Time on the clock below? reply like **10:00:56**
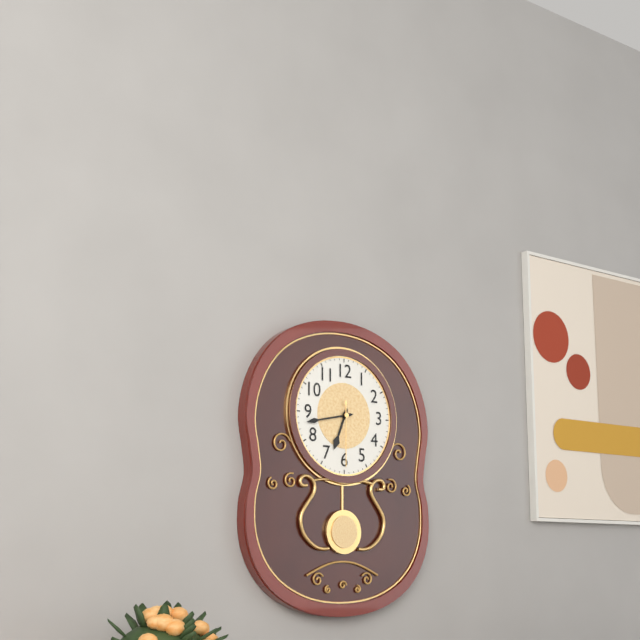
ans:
**6:43:30**
